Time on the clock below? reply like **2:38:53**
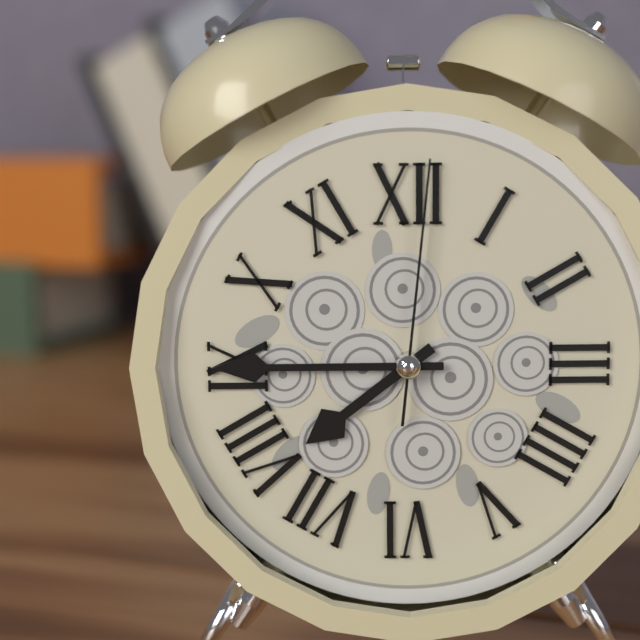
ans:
**7:45:01**
